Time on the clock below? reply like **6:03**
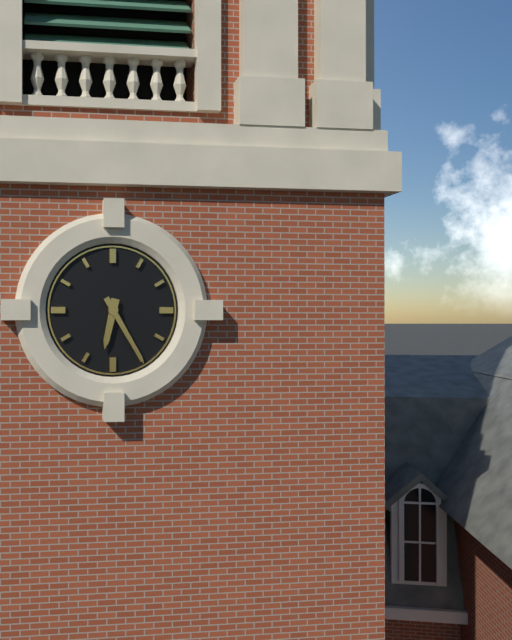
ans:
**6:25**
